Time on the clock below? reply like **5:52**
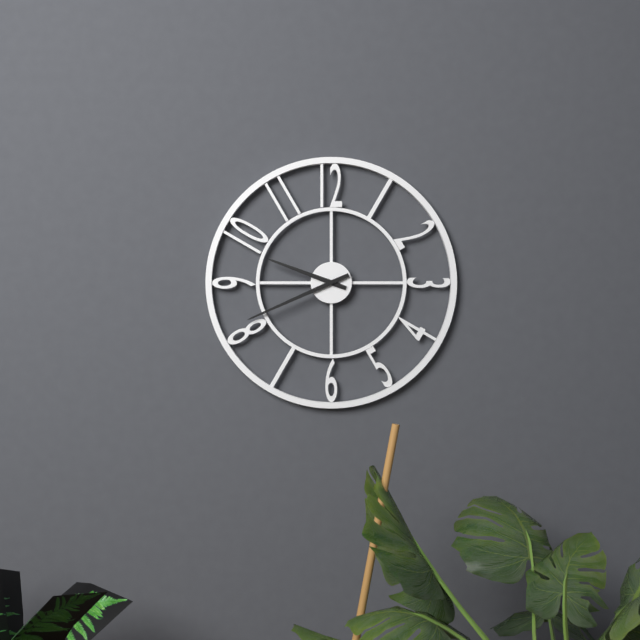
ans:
**9:41**
